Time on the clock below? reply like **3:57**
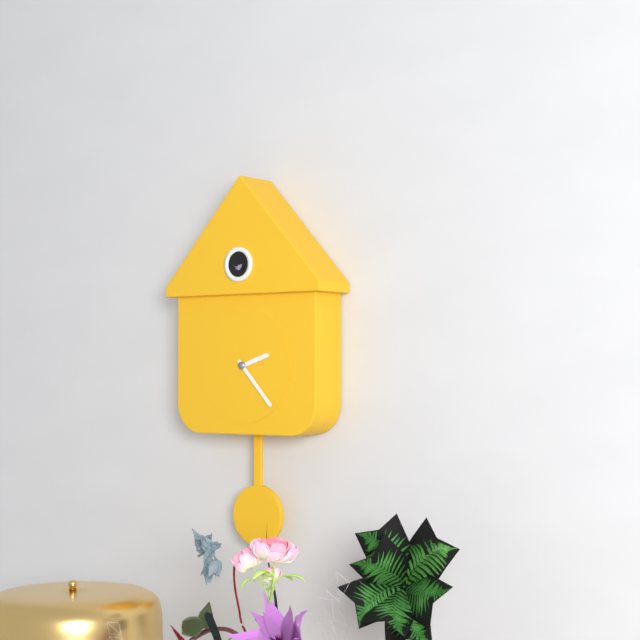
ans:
**2:23**
